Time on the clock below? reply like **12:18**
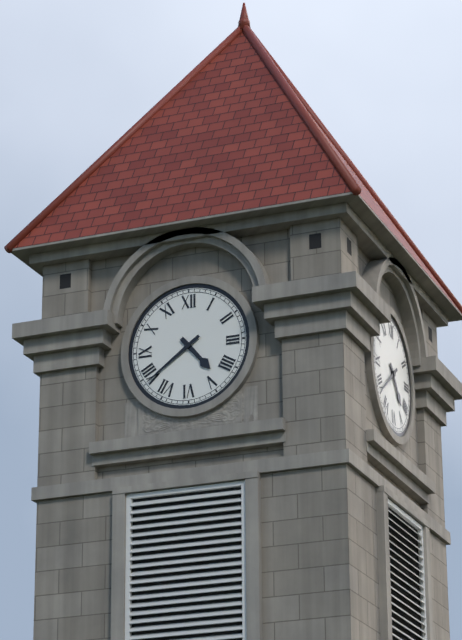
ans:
**4:39**
